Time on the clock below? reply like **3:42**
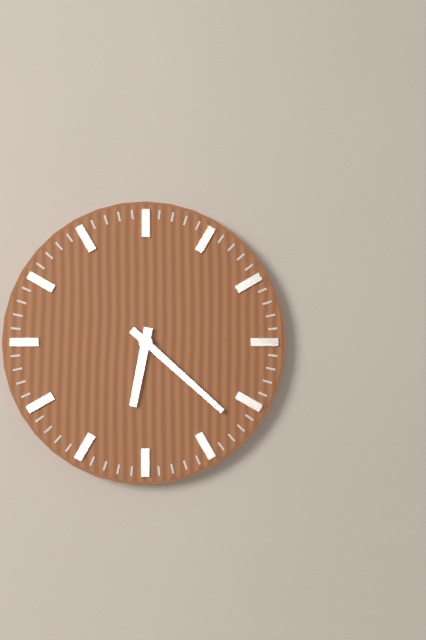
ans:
**6:22**
